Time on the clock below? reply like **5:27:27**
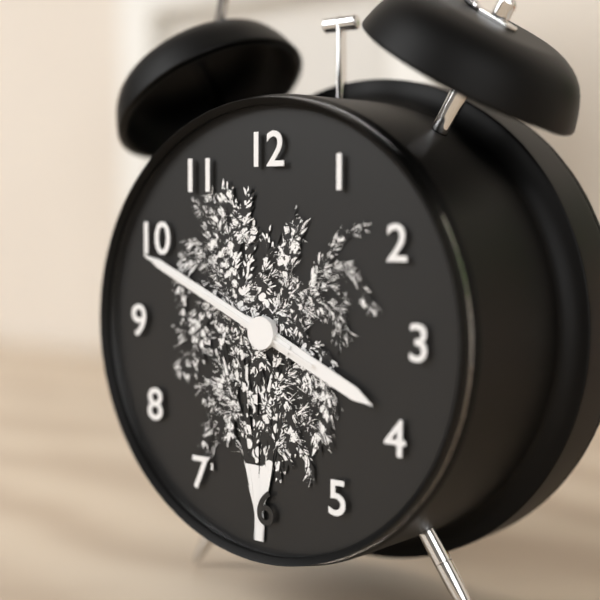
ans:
**3:49:49**
